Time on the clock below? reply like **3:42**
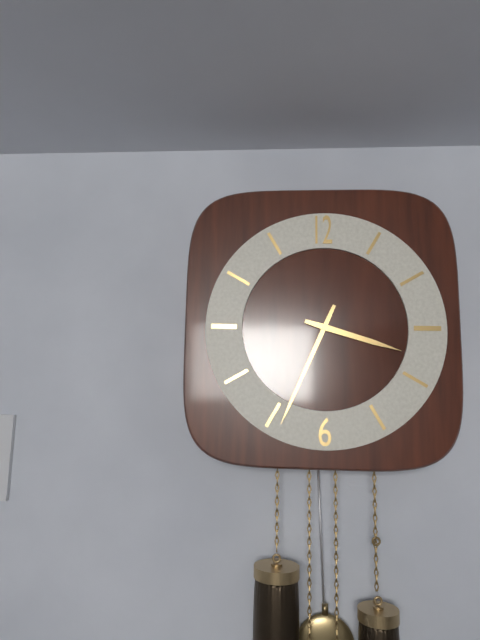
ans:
**3:34**
